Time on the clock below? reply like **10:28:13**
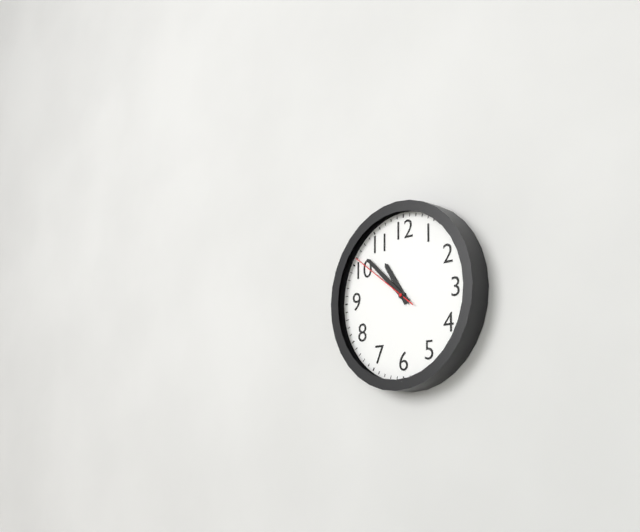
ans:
**10:52:51**
